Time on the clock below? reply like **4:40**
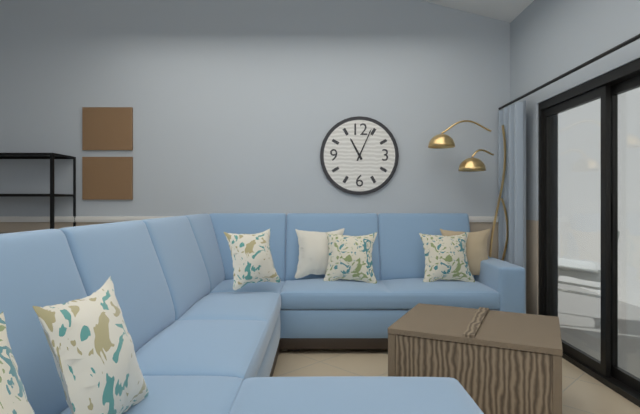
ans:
**11:04**
